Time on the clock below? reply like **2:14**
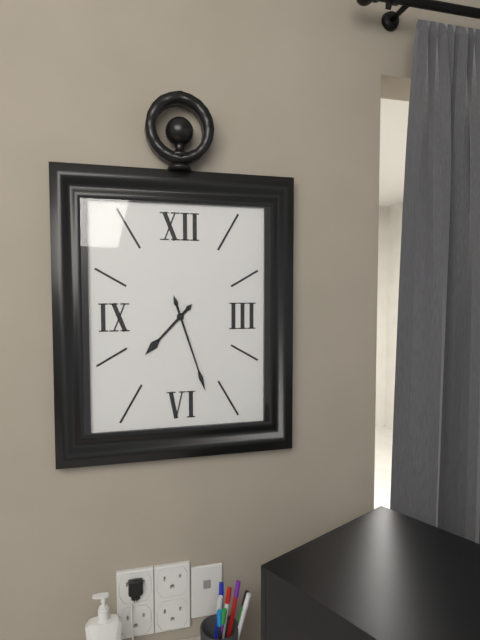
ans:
**7:27**
